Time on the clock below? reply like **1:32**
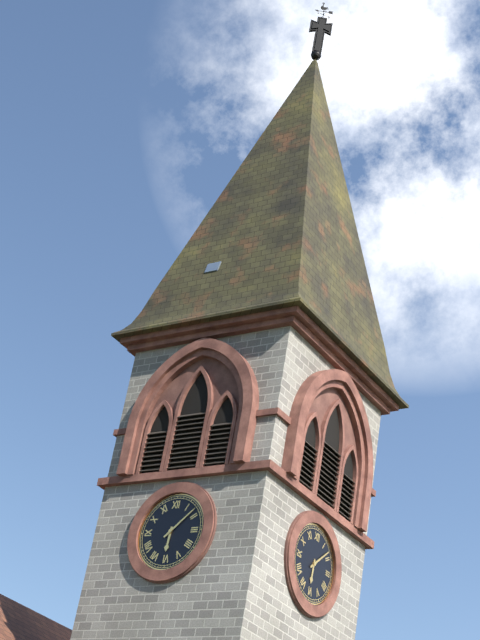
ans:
**6:08**
